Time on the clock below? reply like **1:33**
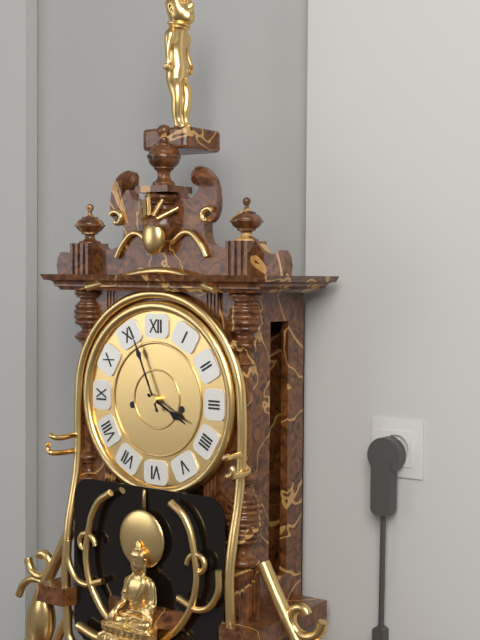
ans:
**3:56**
